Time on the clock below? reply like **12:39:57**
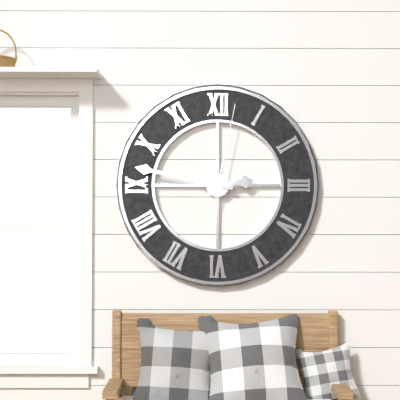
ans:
**2:47:02**
